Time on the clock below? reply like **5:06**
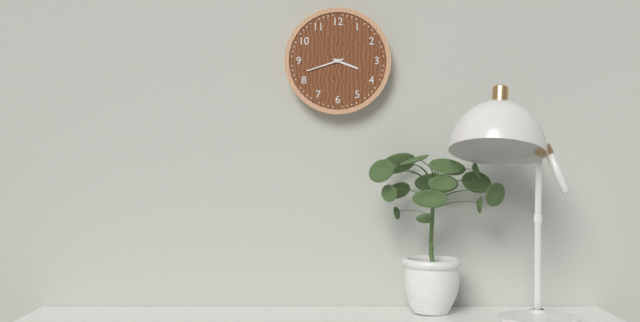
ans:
**3:42**
